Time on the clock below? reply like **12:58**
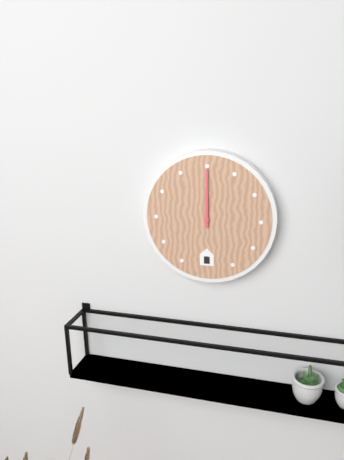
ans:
**12:00**
